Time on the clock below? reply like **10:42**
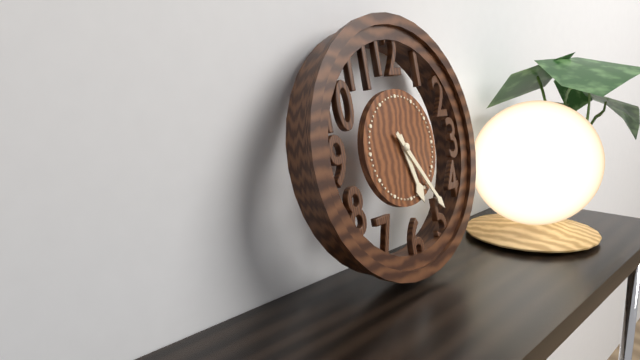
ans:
**5:24**
